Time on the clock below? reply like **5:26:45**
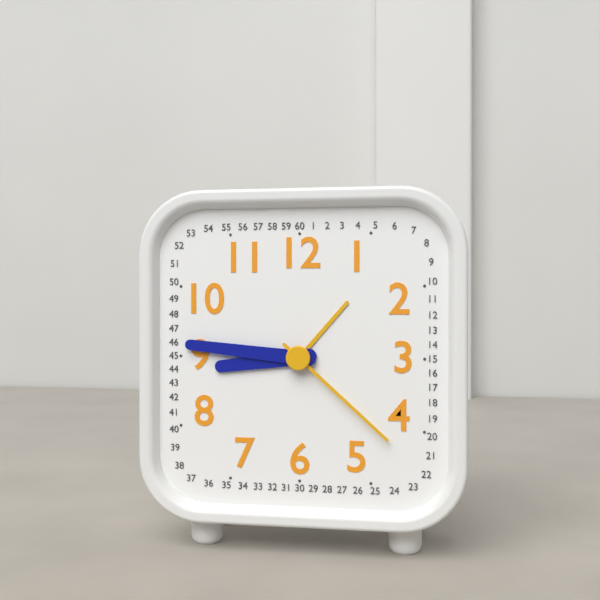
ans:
**8:46:22**
